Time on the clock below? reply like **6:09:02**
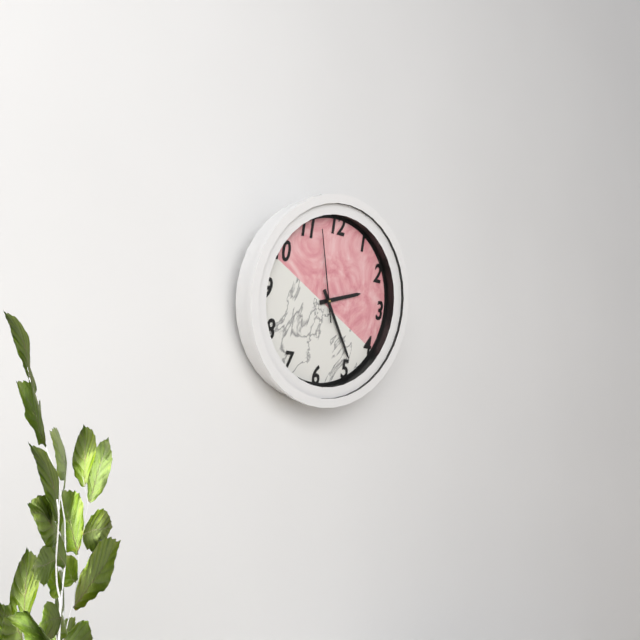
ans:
**2:24:57**
